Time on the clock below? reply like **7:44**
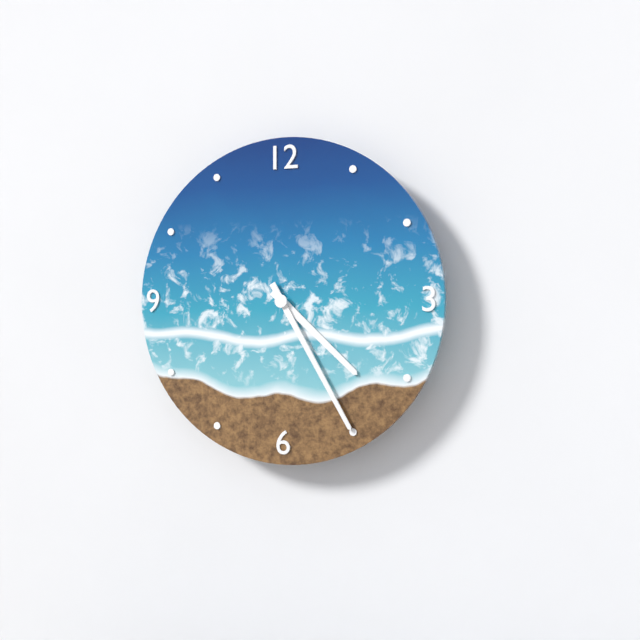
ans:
**4:25**
